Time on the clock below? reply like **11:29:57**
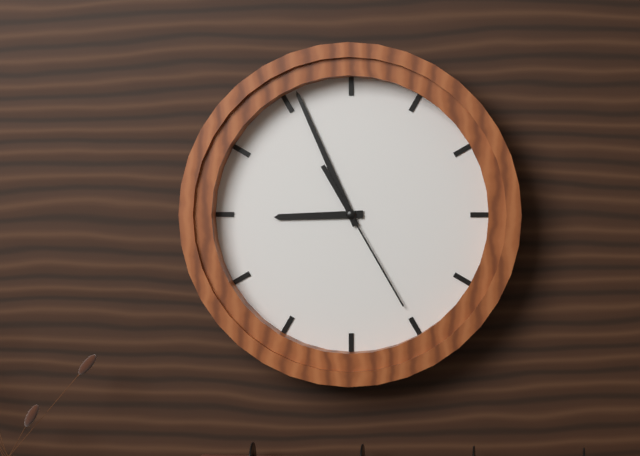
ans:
**8:56:25**
